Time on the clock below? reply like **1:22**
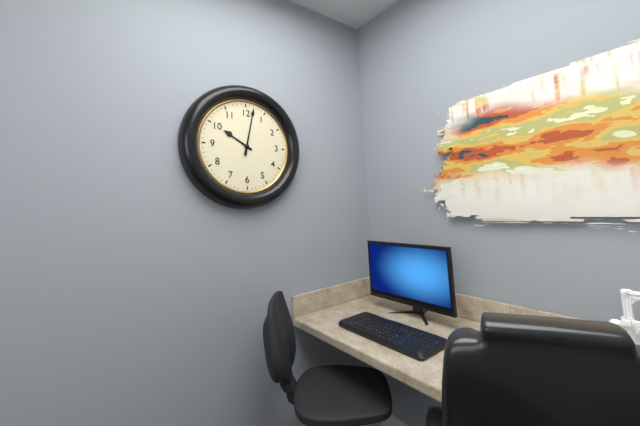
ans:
**10:02**
